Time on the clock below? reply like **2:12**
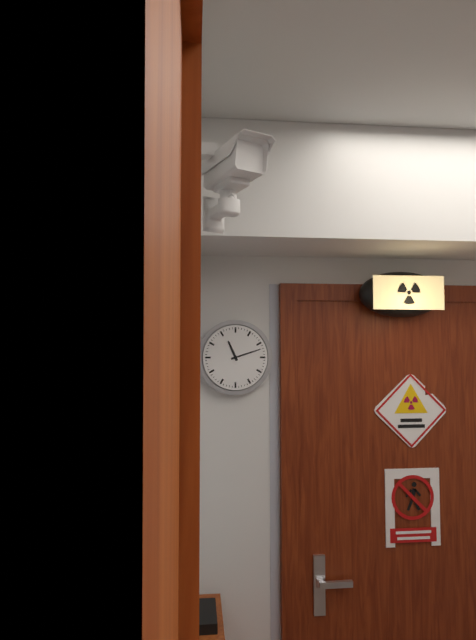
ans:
**11:12**
